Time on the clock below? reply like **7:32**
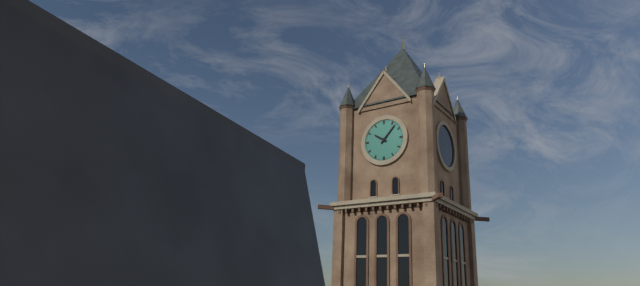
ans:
**10:07**
